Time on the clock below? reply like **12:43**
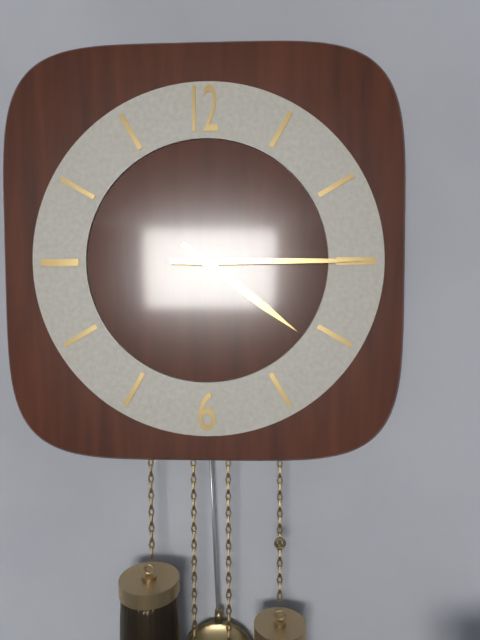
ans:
**4:15**
